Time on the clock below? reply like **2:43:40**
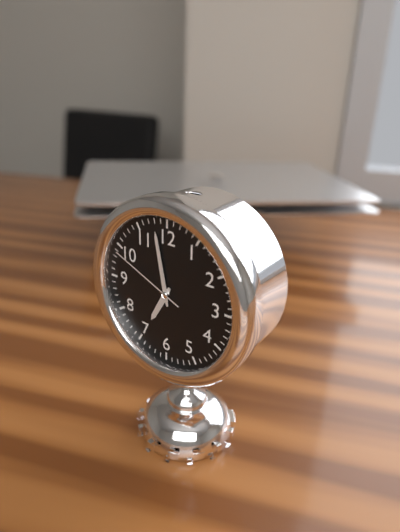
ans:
**6:58:49**
